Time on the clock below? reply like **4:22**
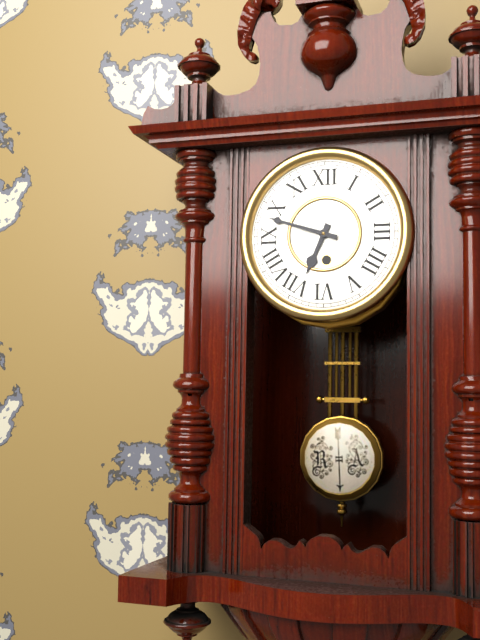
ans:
**6:48**
